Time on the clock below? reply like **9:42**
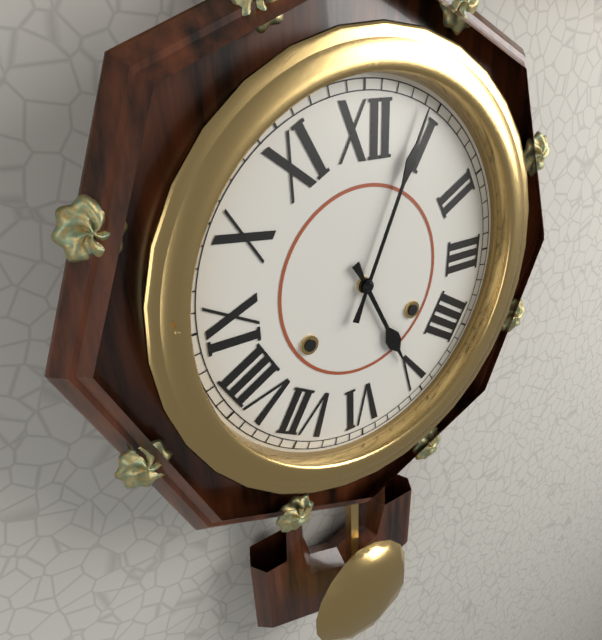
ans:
**5:04**
